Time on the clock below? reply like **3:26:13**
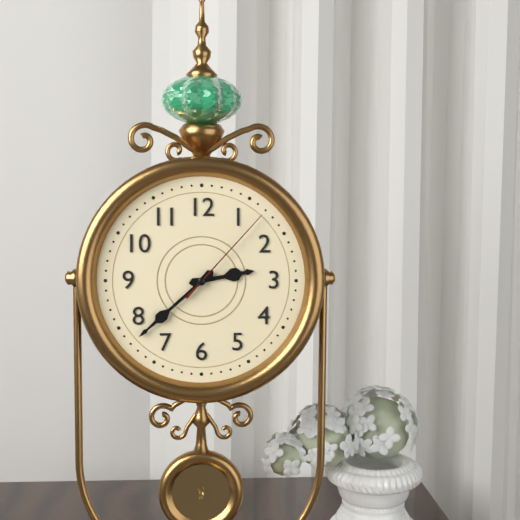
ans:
**2:38:07**
